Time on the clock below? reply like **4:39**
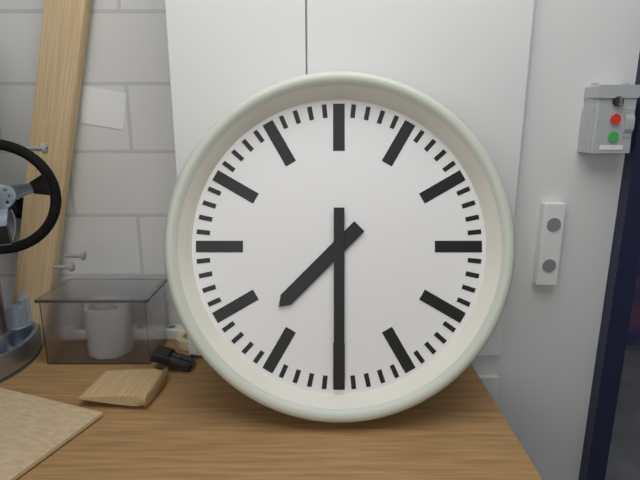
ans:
**7:30**
